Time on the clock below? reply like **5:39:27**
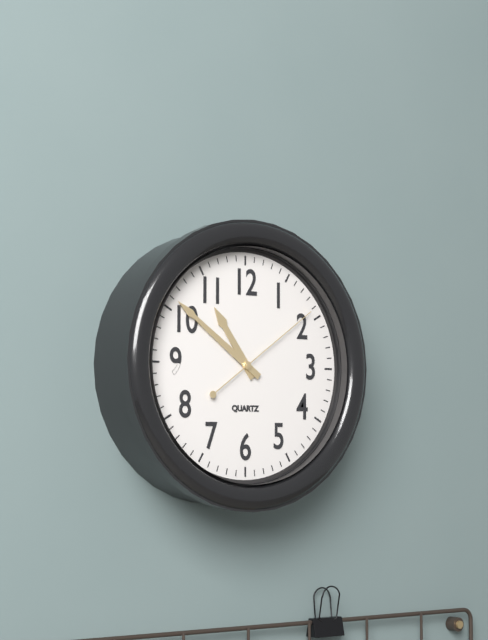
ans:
**10:51:09**
